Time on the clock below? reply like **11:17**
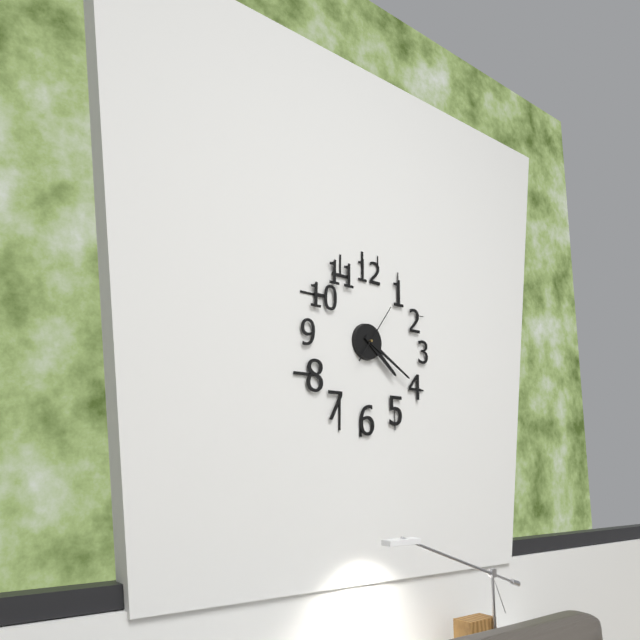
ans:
**4:20**
